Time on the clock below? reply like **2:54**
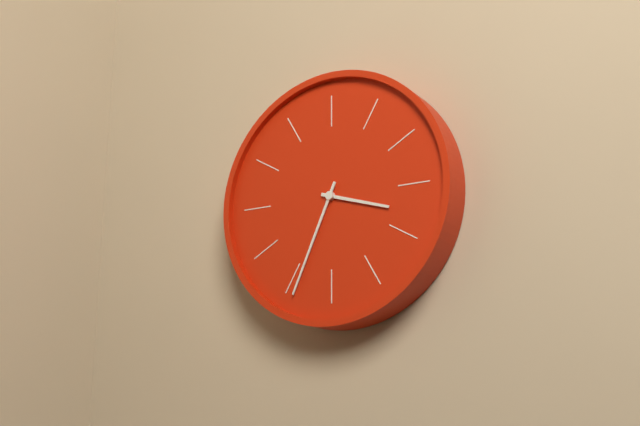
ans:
**3:34**
